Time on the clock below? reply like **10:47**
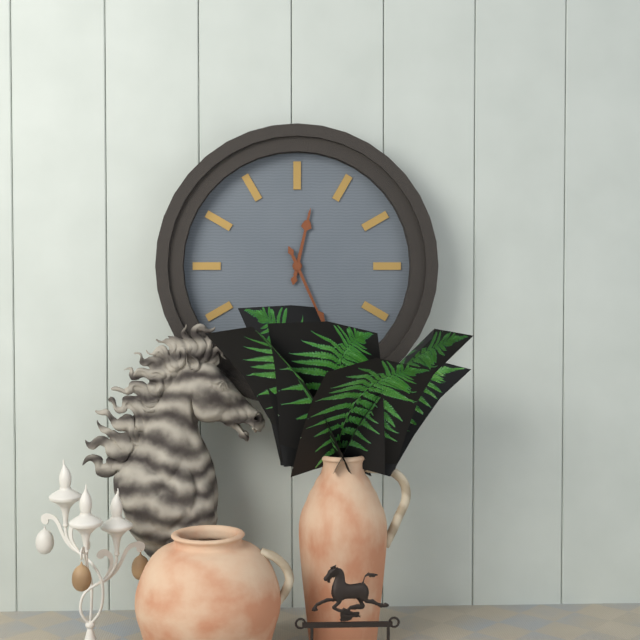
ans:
**12:26**
